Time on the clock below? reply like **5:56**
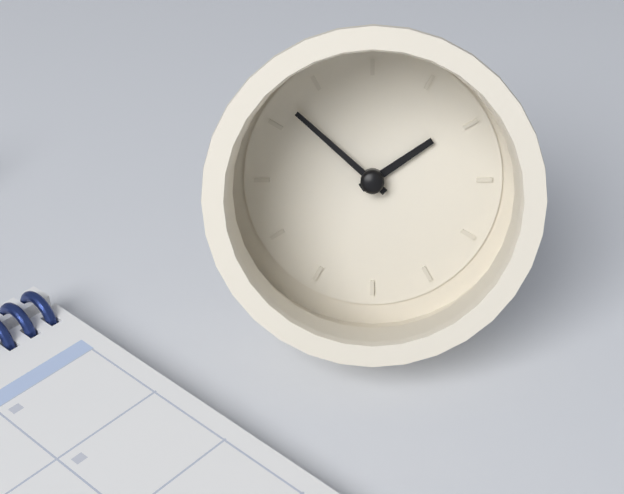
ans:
**1:52**
